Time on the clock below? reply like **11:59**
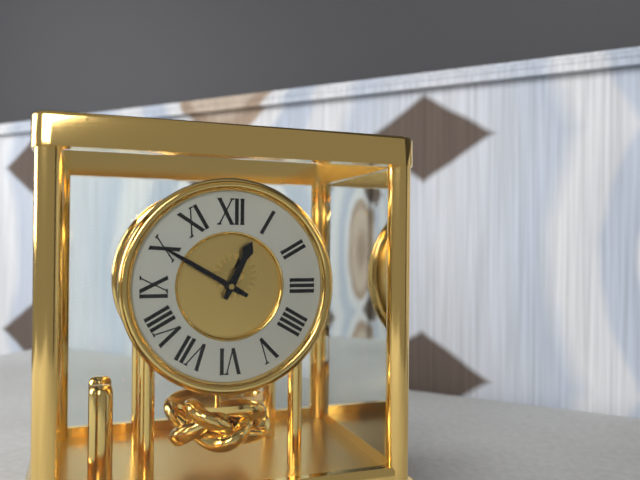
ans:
**12:50**
